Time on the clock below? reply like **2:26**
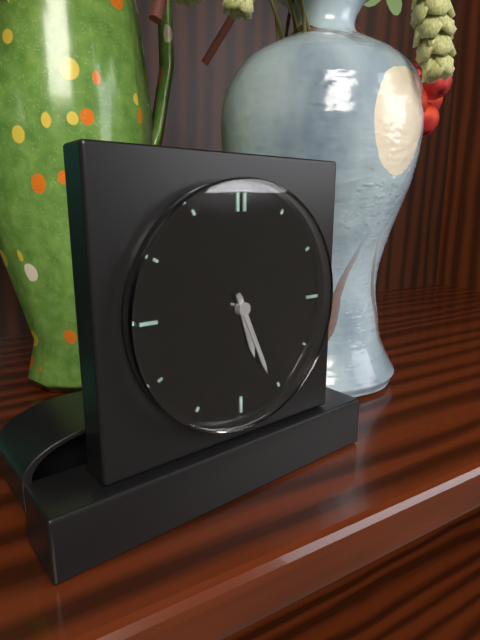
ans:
**5:26**
